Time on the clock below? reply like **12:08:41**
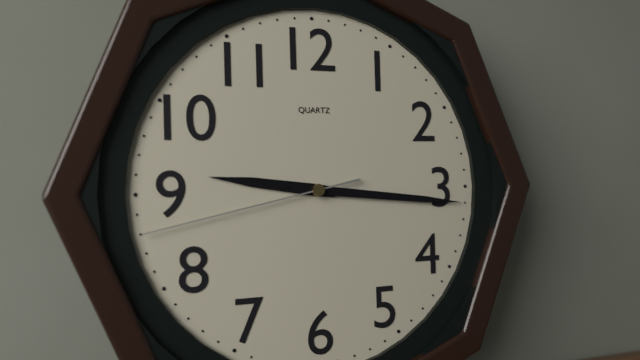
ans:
**9:16:43**
